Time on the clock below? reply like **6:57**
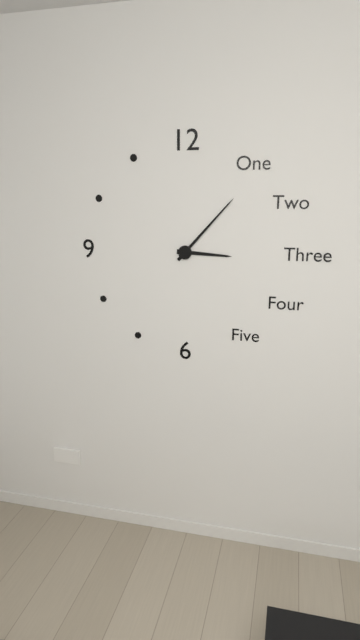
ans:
**3:07**
